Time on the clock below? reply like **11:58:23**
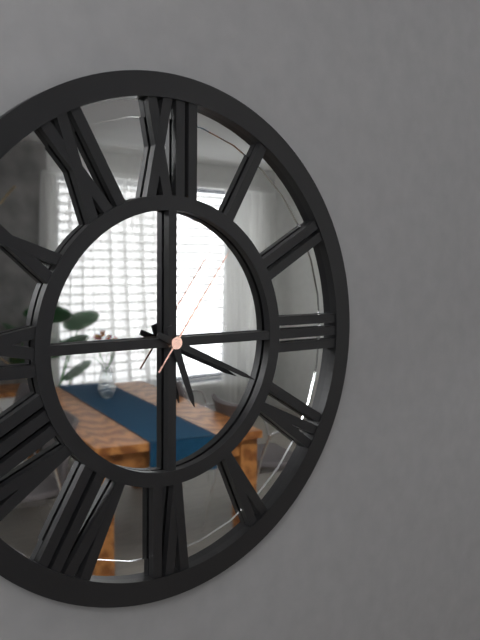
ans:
**5:19:06**
